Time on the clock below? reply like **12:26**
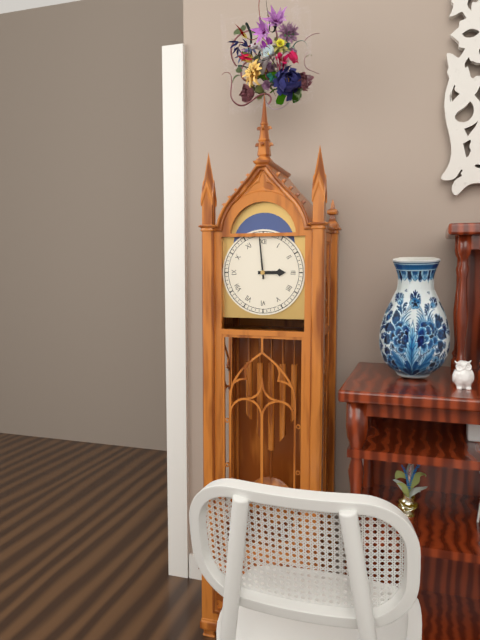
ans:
**2:59**
